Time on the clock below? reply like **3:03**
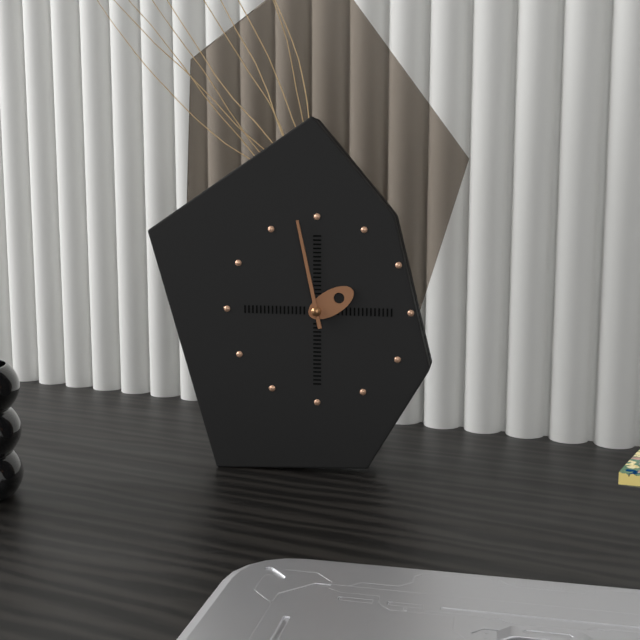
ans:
**1:58**
